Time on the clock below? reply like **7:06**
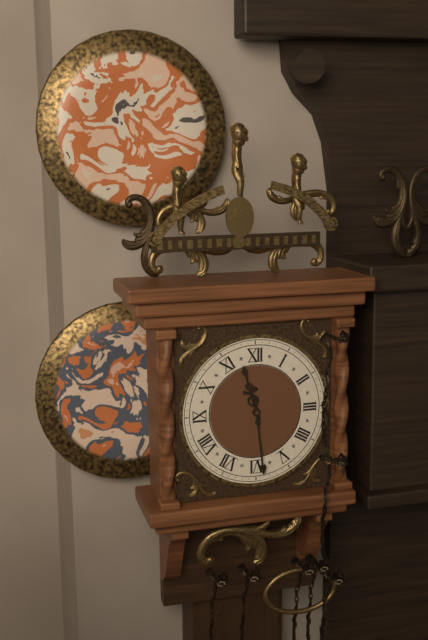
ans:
**11:29**
